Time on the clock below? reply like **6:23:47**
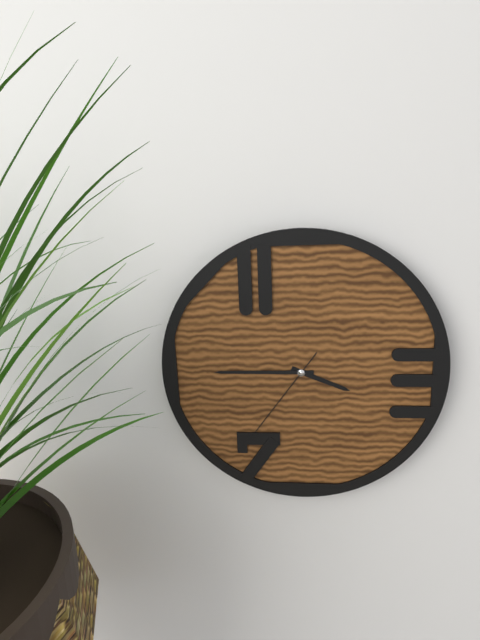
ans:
**3:45:36**
